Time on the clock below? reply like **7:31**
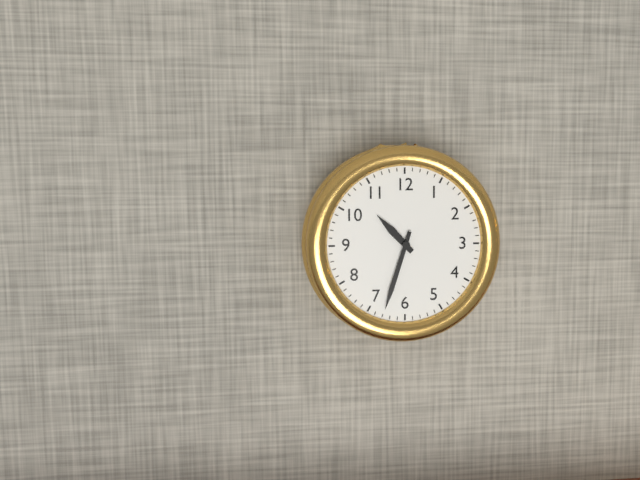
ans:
**10:33**
